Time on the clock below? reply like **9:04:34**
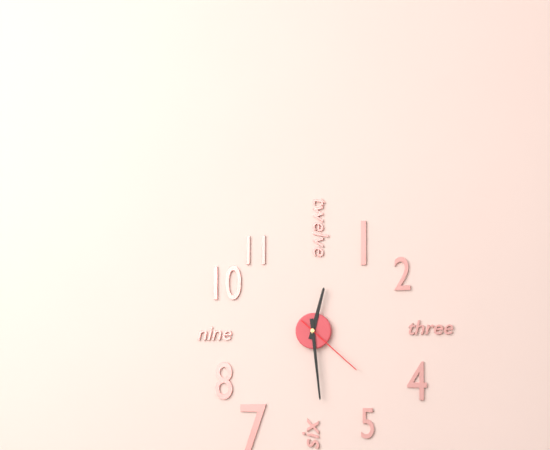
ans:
**12:29:22**
